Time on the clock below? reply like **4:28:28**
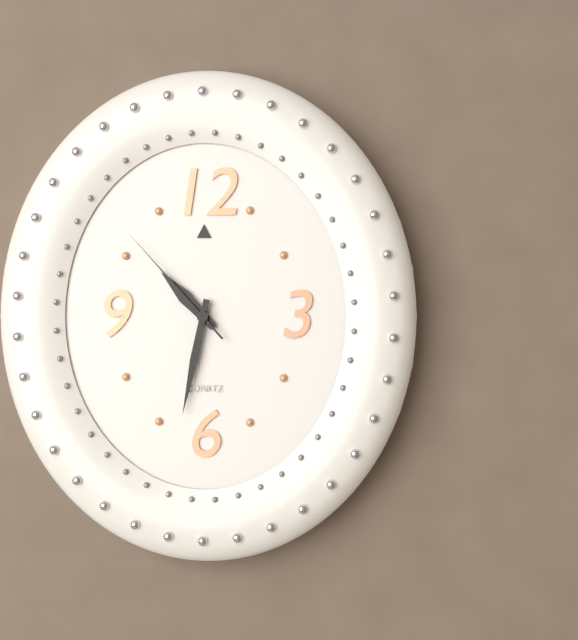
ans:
**10:32:53**
